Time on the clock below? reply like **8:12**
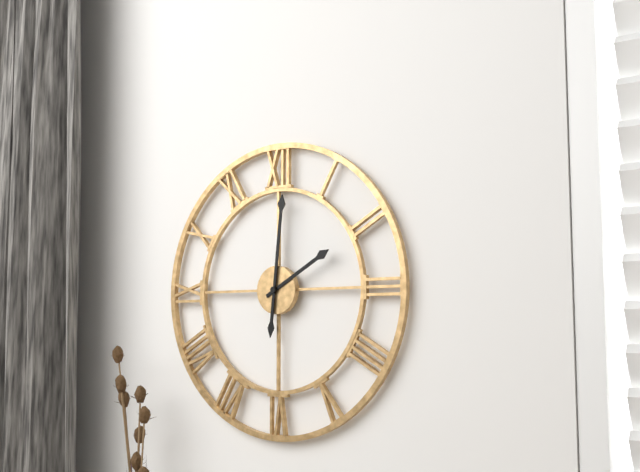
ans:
**2:01**
